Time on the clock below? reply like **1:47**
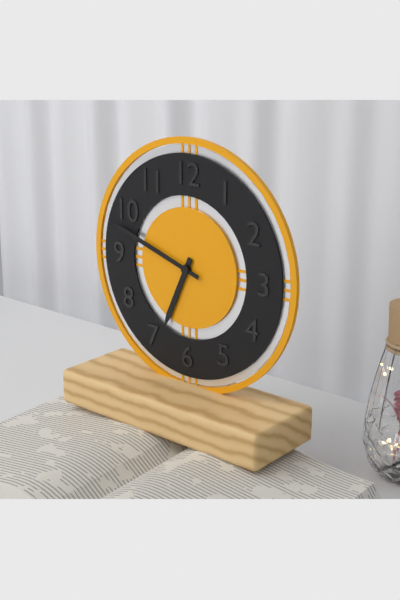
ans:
**6:48**
